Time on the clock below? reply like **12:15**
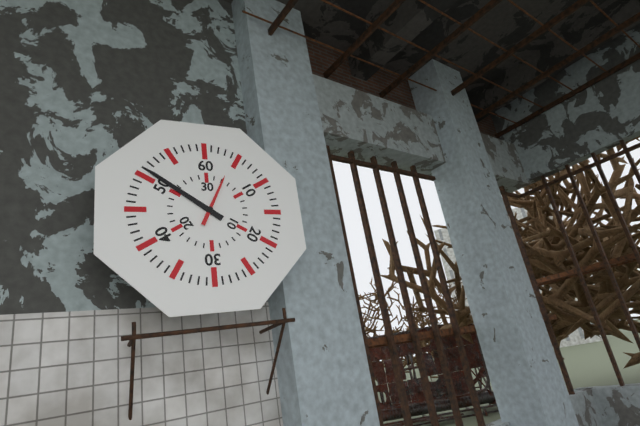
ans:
**12:51**
